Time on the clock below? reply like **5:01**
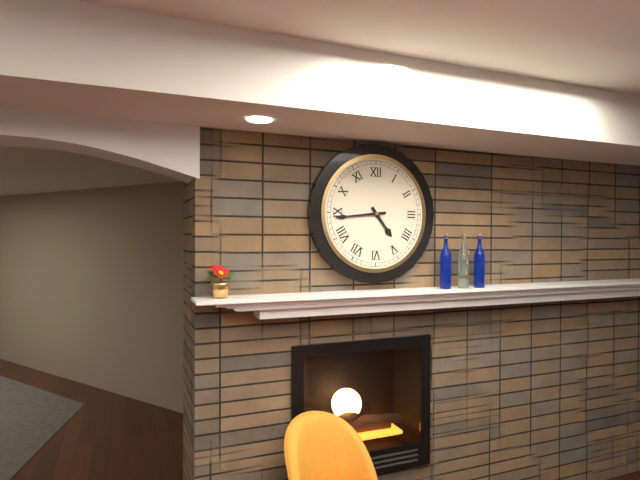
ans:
**4:44**
